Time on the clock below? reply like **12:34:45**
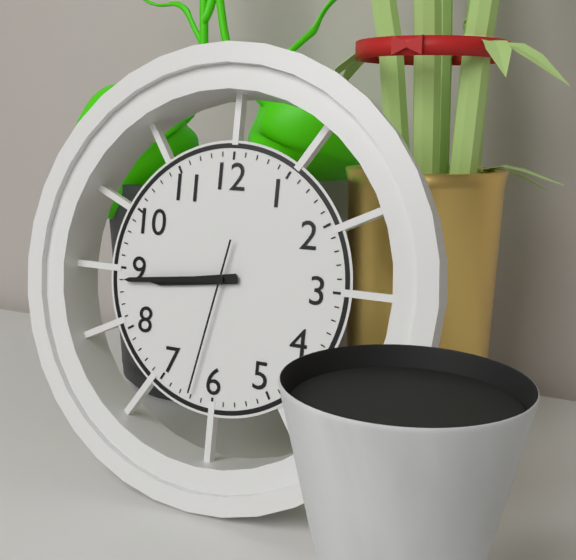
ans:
**8:44:32**
